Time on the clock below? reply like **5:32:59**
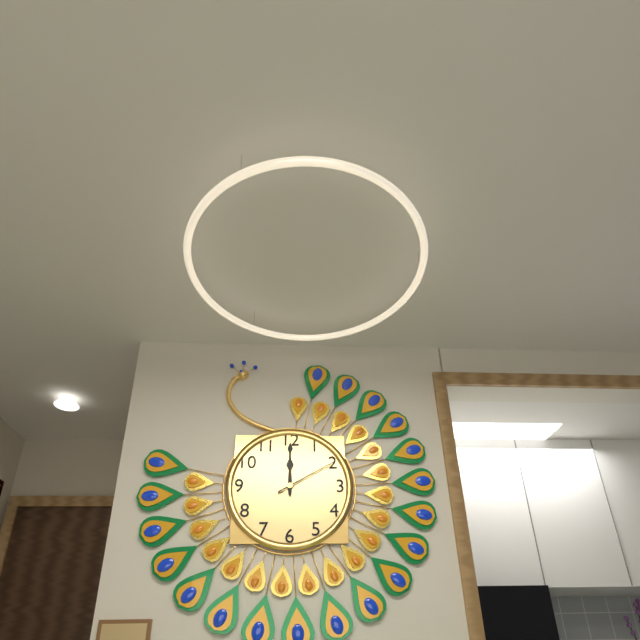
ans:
**12:00:10**
